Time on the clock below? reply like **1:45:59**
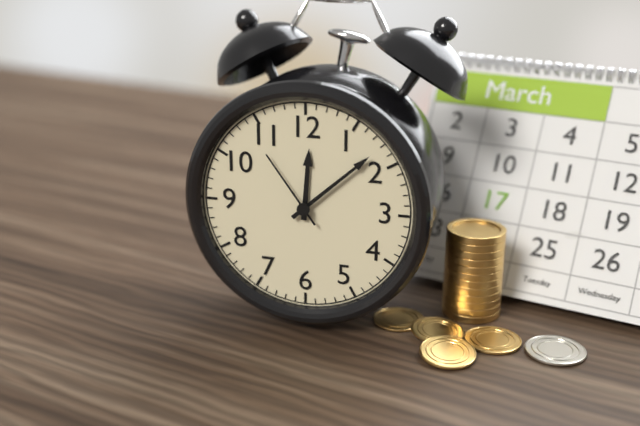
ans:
**12:08:54**
